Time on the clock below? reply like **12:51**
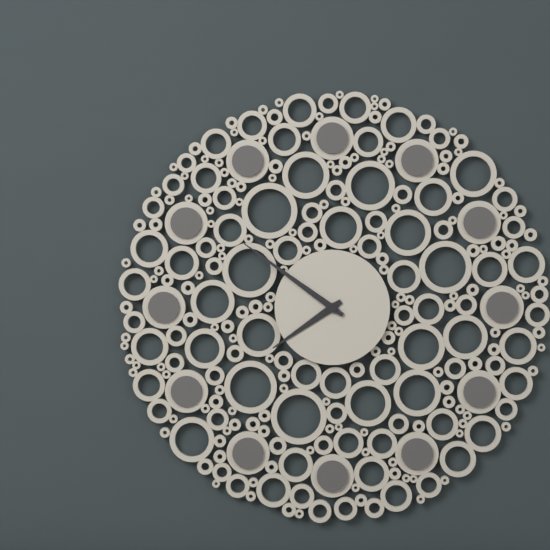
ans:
**7:51**
